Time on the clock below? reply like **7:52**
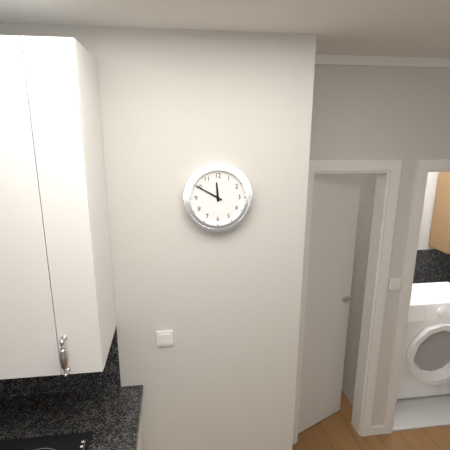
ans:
**11:50**
